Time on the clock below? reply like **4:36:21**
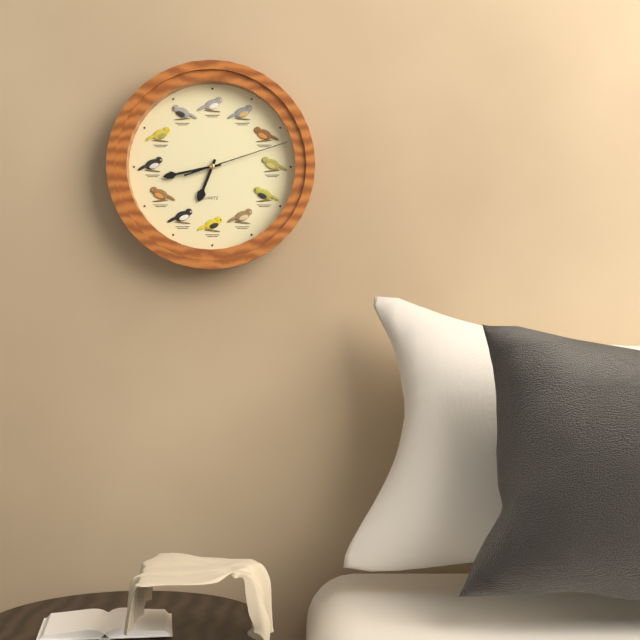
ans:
**6:43:12**
